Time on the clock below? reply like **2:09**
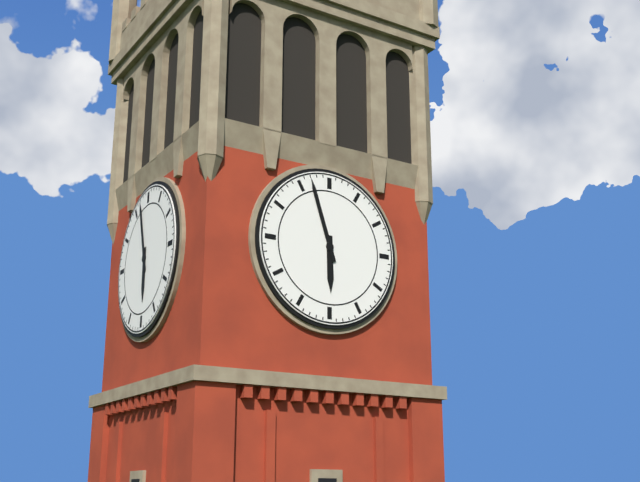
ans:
**5:57**
